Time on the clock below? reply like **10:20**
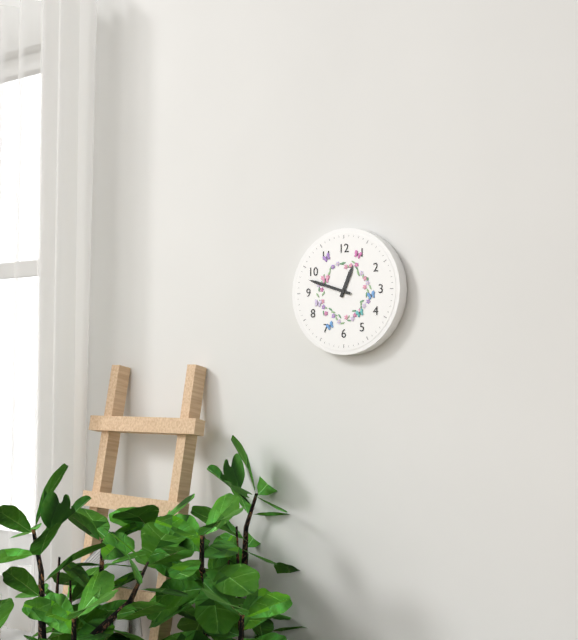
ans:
**12:48**
